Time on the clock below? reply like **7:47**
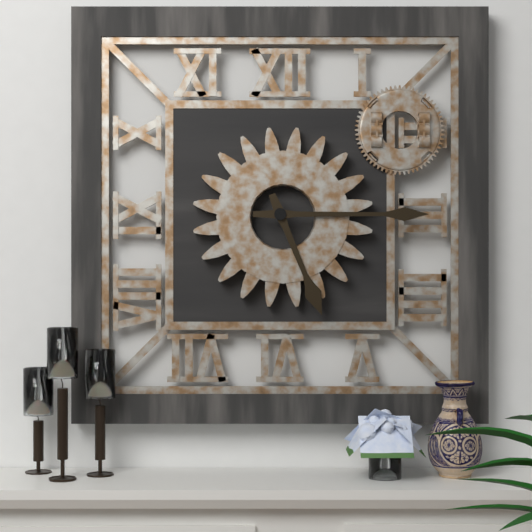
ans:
**5:15**
